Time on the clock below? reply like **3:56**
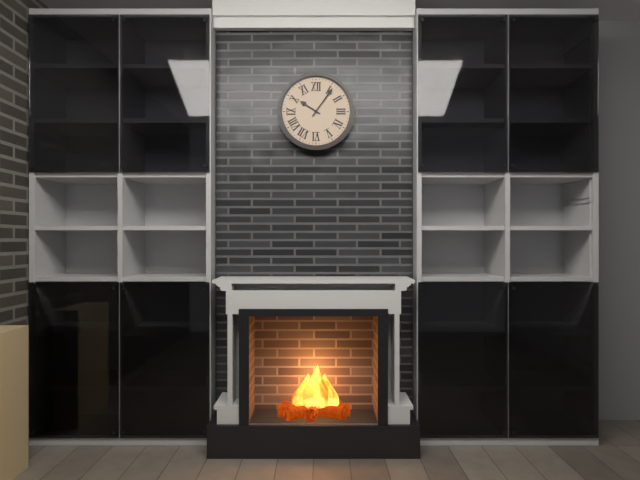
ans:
**10:06**
